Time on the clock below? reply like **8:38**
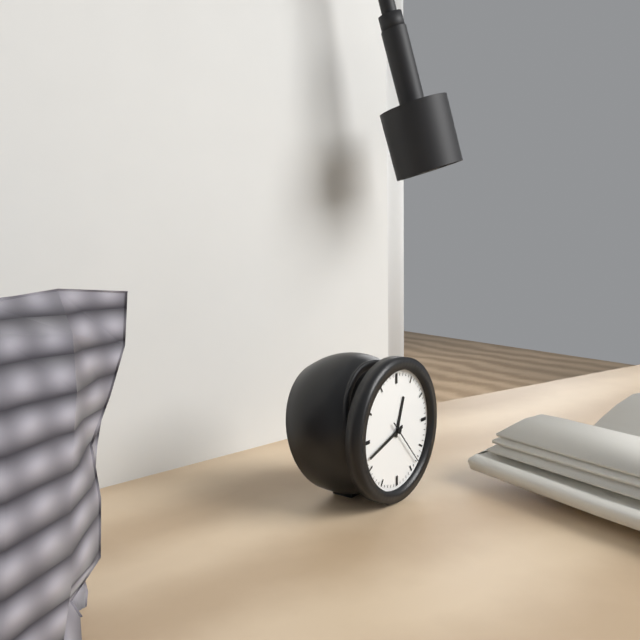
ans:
**12:42**
